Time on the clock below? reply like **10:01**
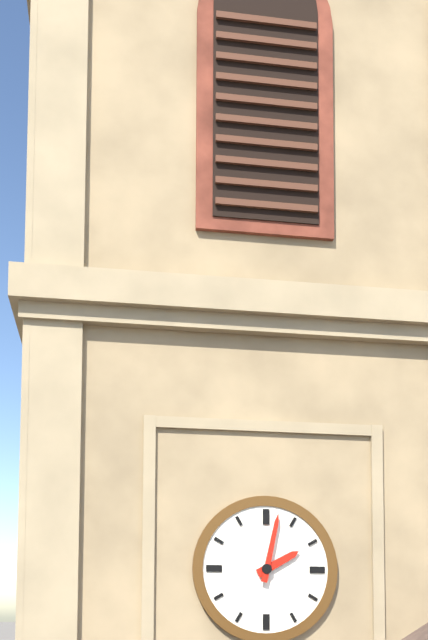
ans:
**2:02**
